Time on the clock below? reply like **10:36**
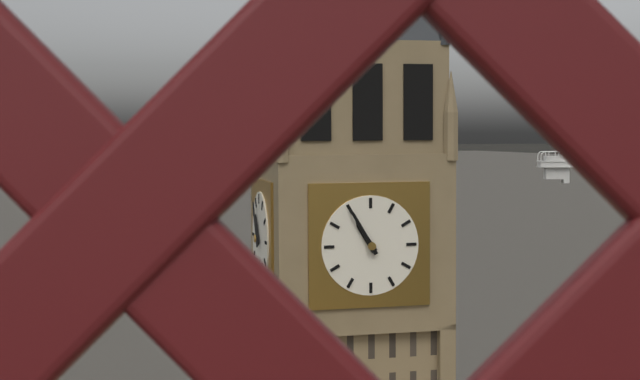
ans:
**10:55**
